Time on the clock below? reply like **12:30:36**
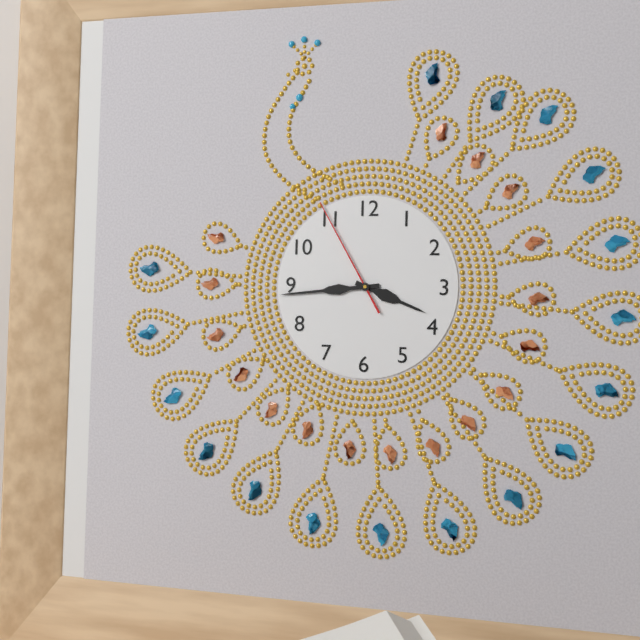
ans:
**3:44:55**
